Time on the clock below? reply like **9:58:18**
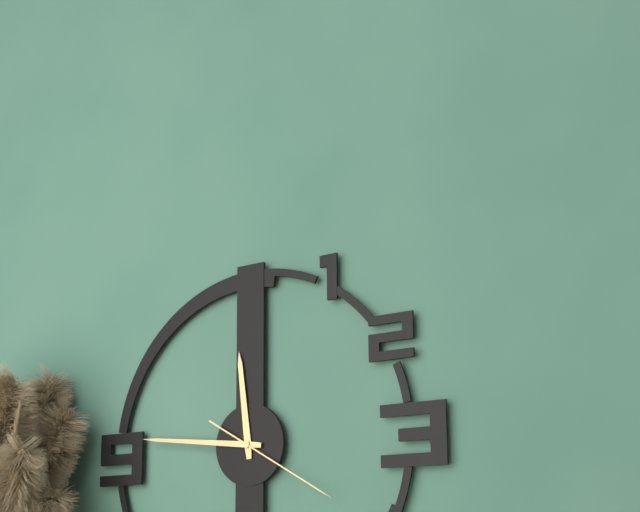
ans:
**11:46:20**
